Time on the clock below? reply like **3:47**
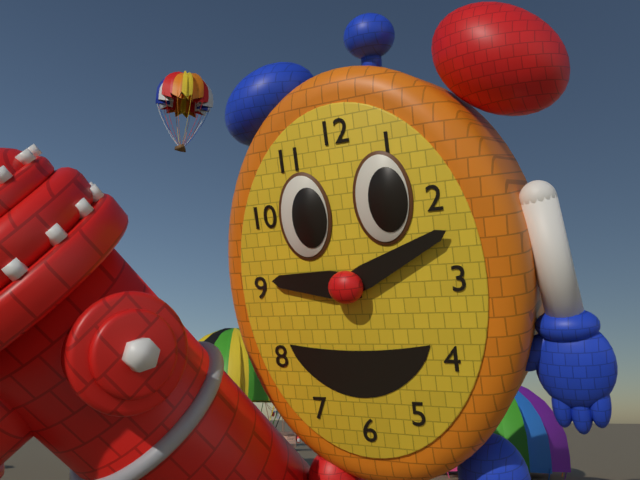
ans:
**9:11**
